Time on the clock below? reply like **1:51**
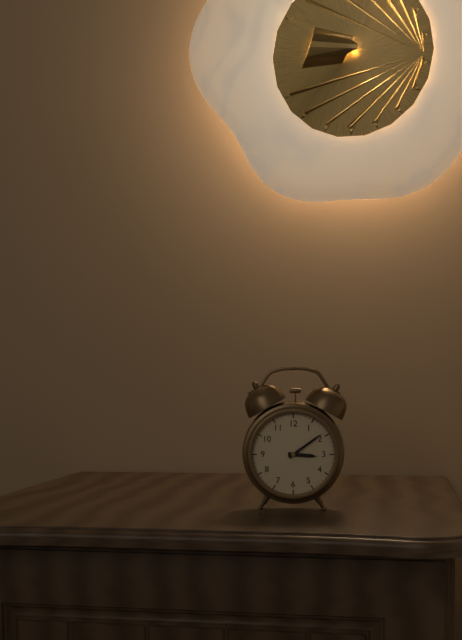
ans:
**3:09**
